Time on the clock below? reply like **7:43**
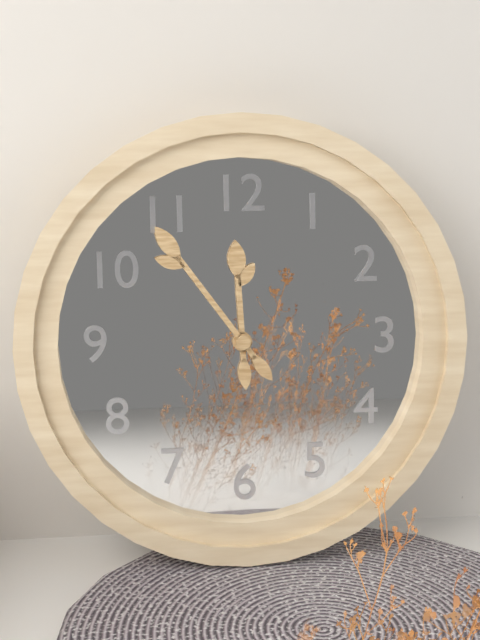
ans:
**11:54**
